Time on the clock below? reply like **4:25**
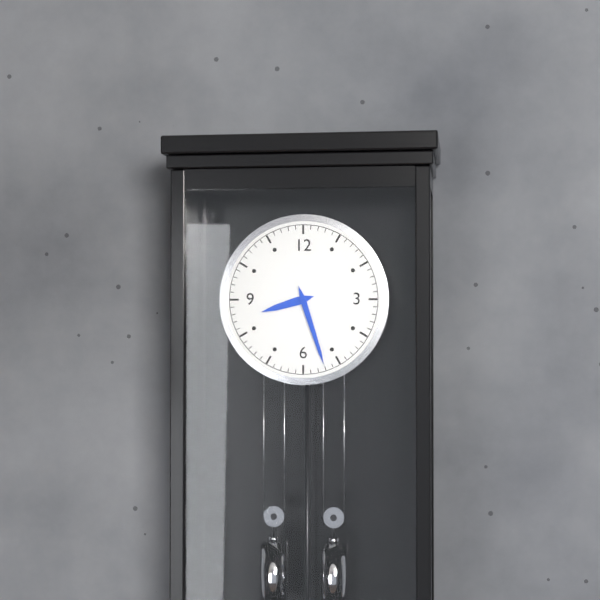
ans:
**8:27**
